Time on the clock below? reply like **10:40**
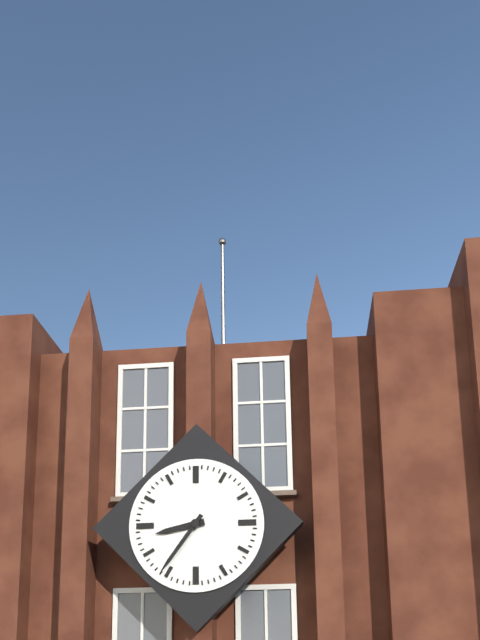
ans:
**8:36**
